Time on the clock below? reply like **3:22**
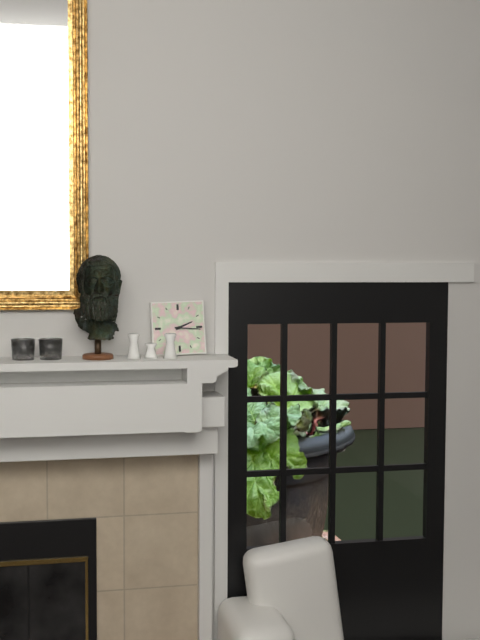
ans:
**2:16**
